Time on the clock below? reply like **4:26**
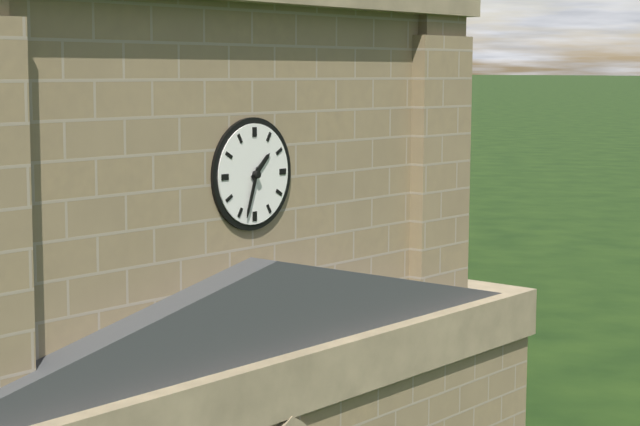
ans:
**1:33**
